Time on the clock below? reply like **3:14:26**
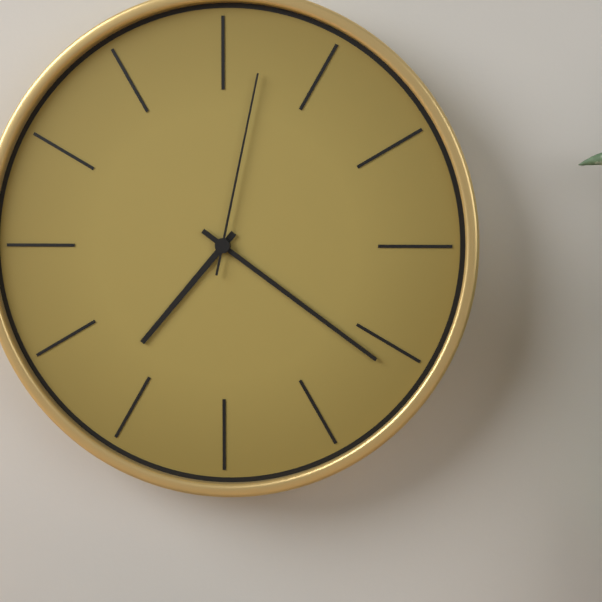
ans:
**7:21:02**
